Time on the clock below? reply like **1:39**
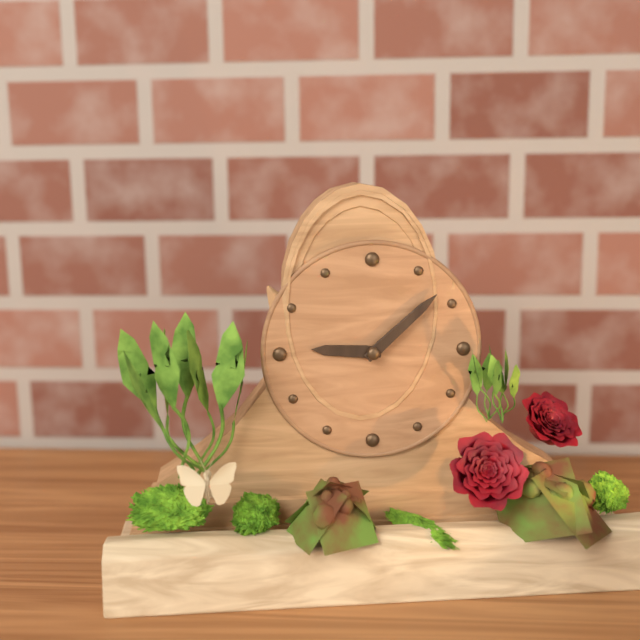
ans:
**9:08**
